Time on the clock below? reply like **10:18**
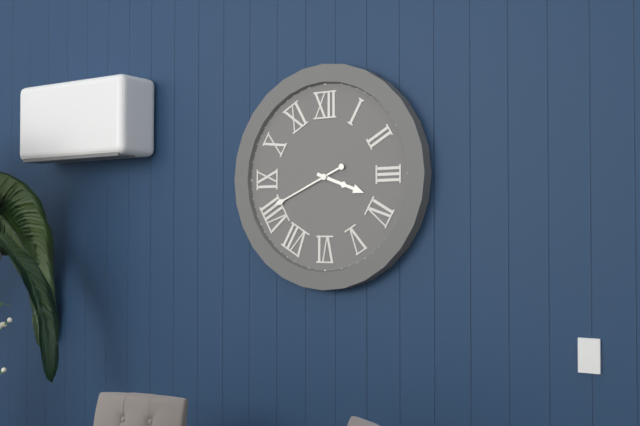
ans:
**3:41**
